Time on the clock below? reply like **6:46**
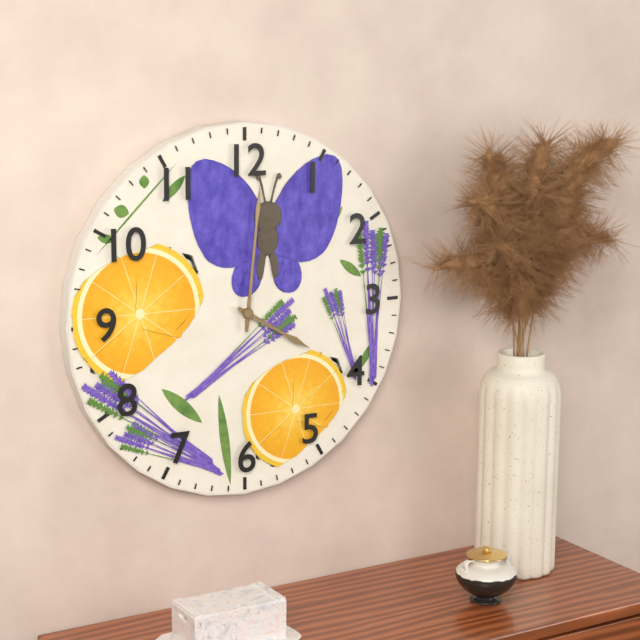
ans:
**4:01**
